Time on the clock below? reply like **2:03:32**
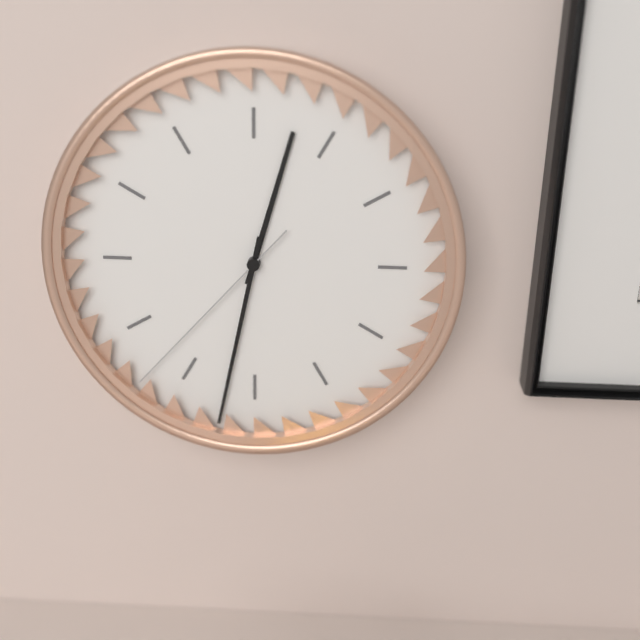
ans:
**12:32:37**
